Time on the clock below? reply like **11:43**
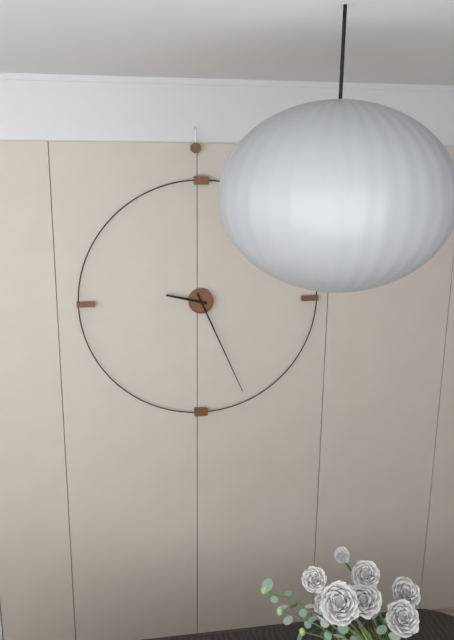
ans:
**9:26**
